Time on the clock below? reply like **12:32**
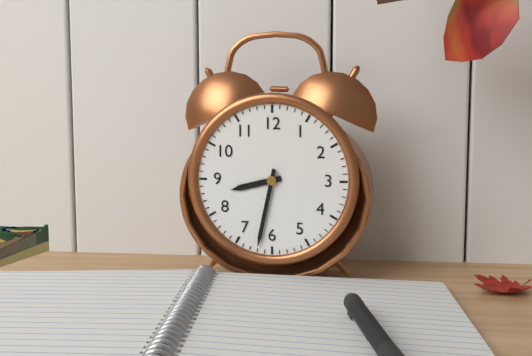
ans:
**8:32**
